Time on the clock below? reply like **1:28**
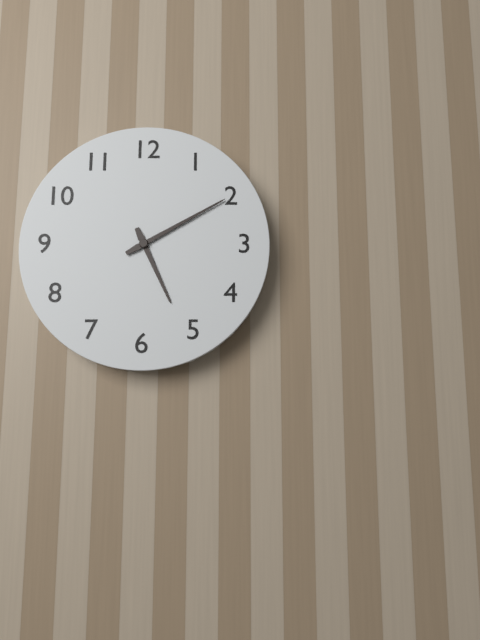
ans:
**5:10**
